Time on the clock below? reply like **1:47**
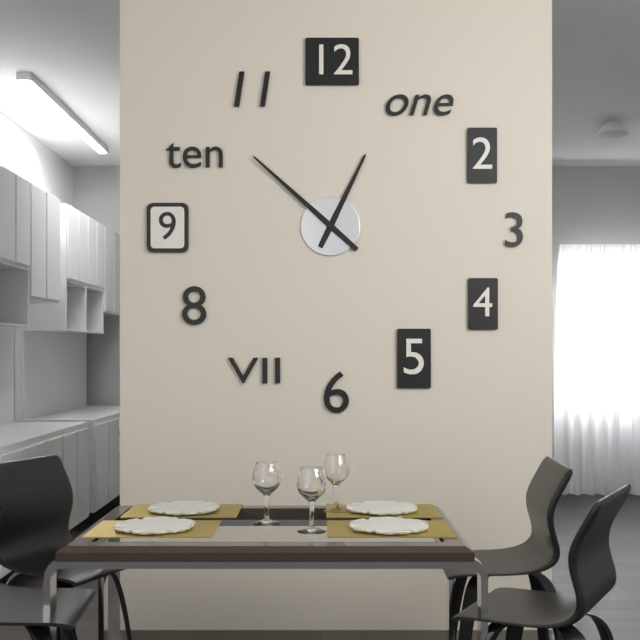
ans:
**12:52**
